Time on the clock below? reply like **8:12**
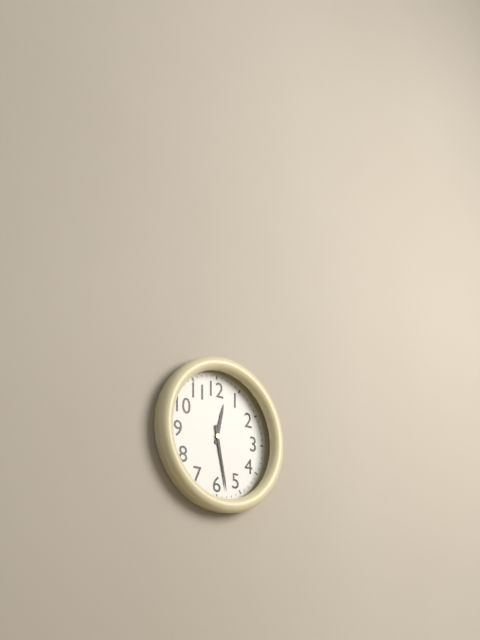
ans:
**12:28**
